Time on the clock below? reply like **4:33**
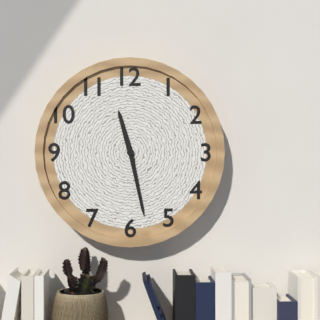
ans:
**11:28**
